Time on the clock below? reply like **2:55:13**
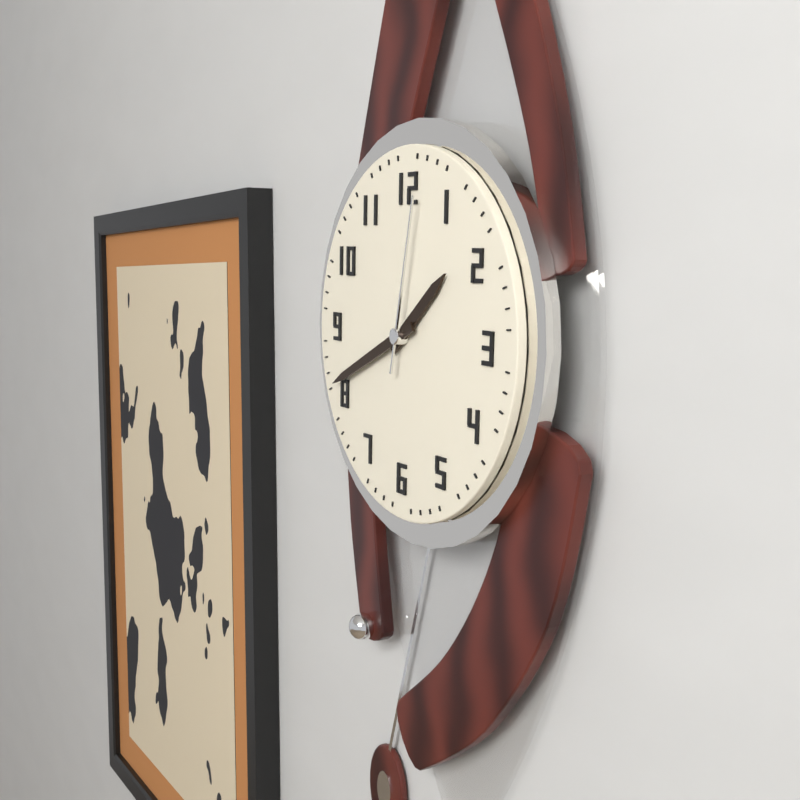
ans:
**1:41:02**
